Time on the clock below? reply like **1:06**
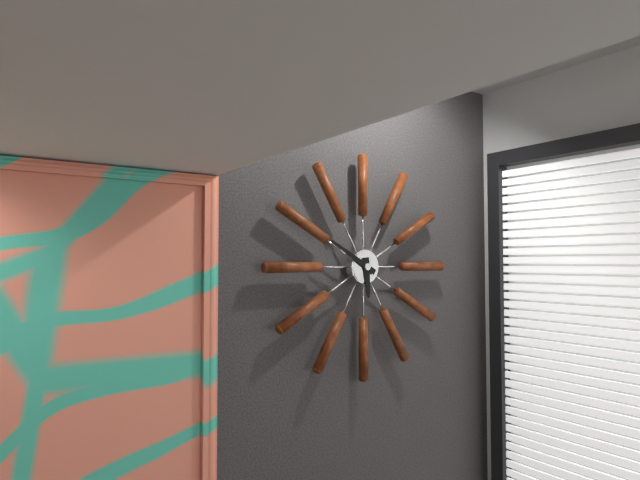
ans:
**5:50**
